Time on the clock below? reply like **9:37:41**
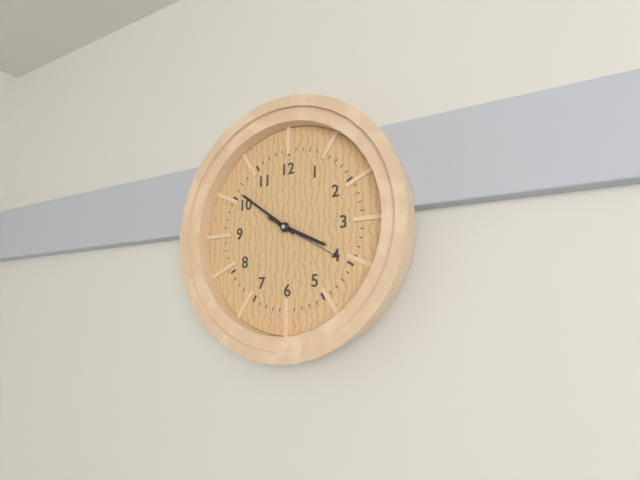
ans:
**3:51:20**
